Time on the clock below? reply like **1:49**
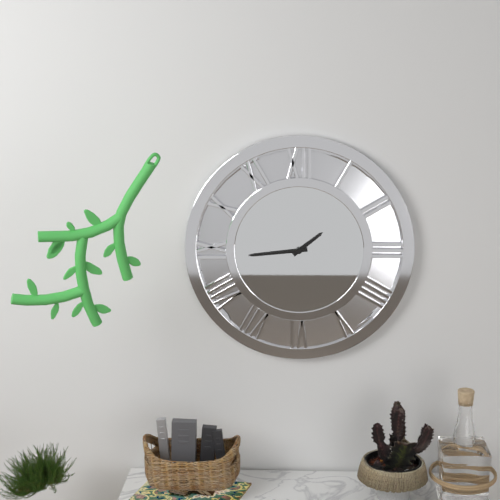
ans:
**1:44**
